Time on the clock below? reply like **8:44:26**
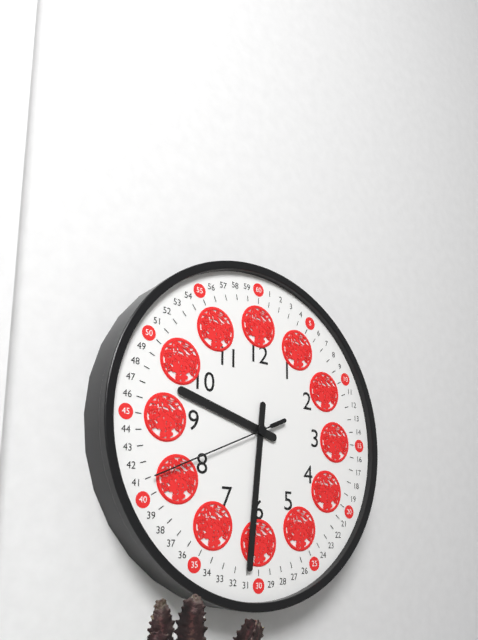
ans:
**9:31:41**
